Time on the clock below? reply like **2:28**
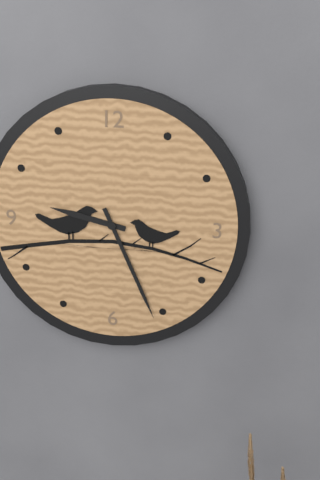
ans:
**9:26**
